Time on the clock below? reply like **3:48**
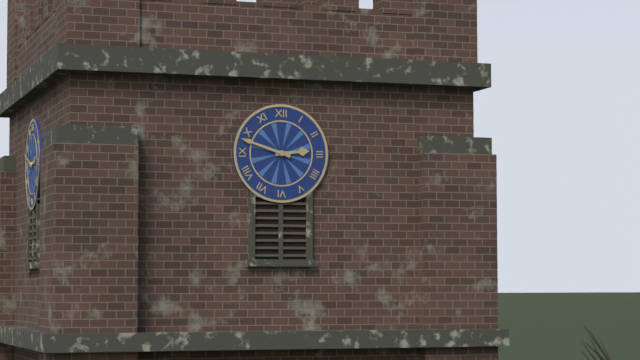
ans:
**2:48**
